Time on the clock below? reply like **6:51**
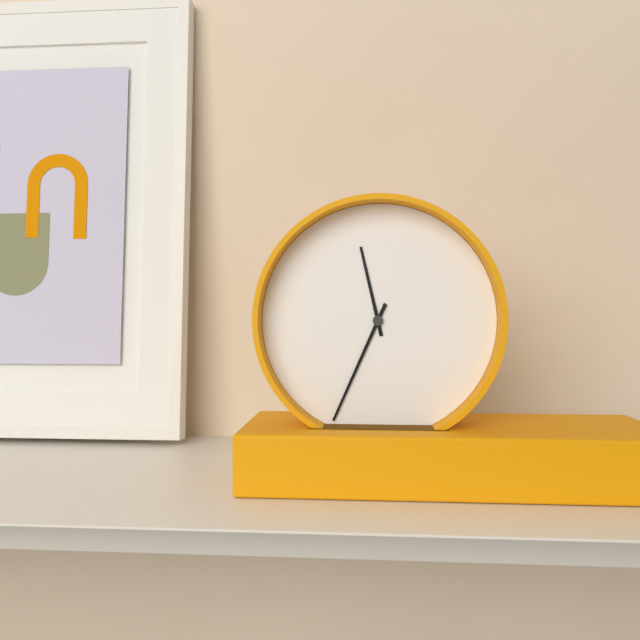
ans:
**11:34**
